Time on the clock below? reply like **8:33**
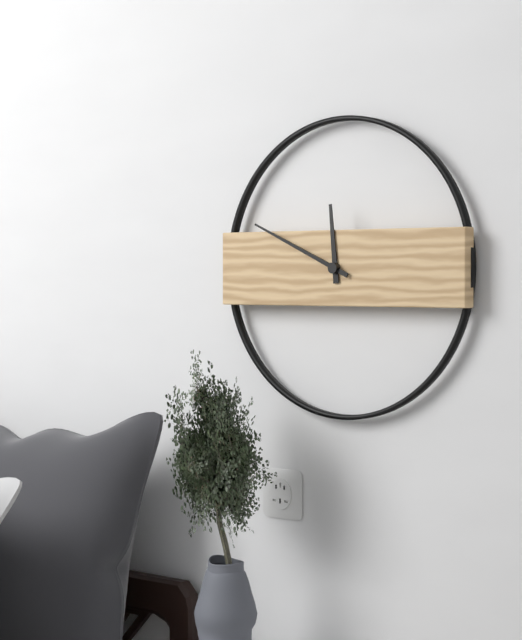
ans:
**11:49**
